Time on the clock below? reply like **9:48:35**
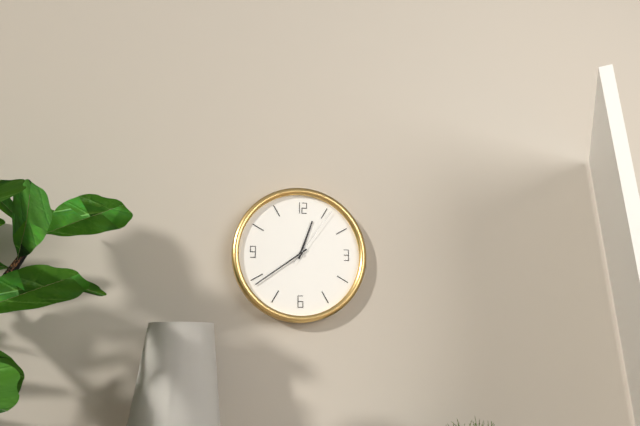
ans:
**12:39:06**
